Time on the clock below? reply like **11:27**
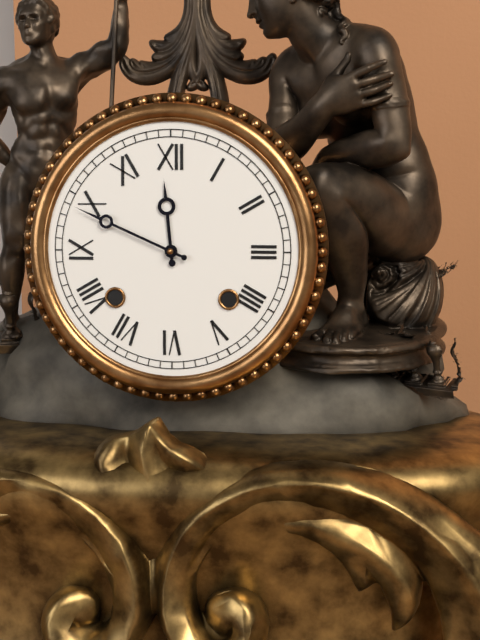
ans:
**11:49**
